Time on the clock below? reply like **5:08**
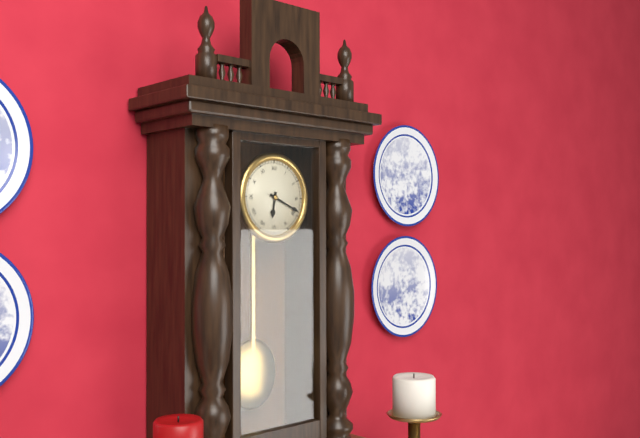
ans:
**6:19**
